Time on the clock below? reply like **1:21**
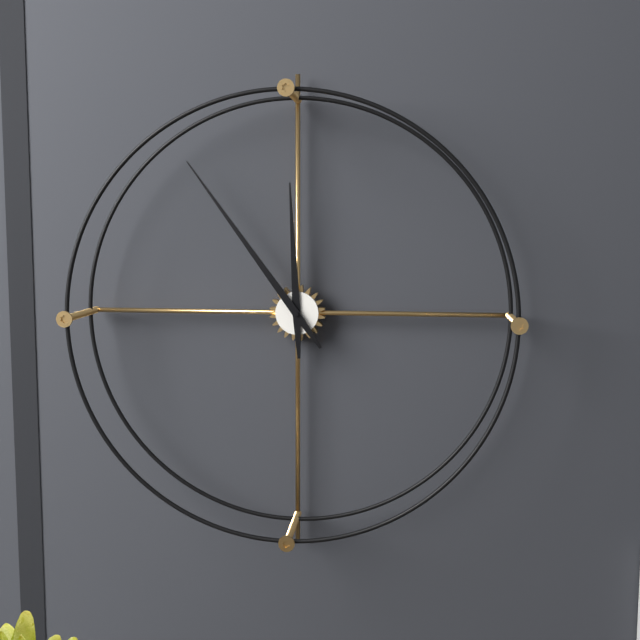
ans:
**11:54**
